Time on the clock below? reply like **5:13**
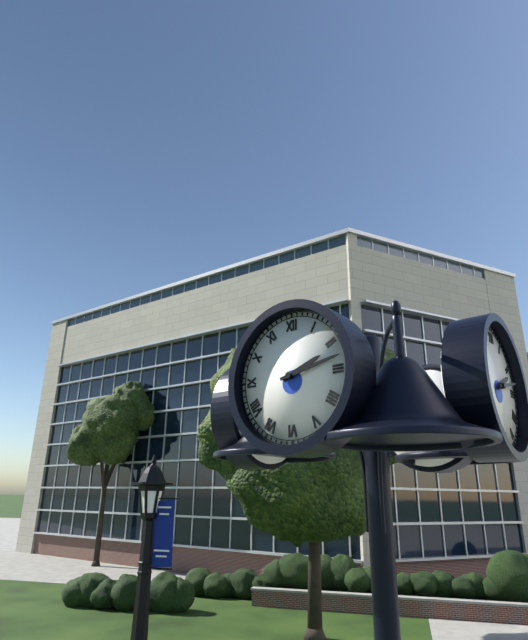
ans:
**2:13**
